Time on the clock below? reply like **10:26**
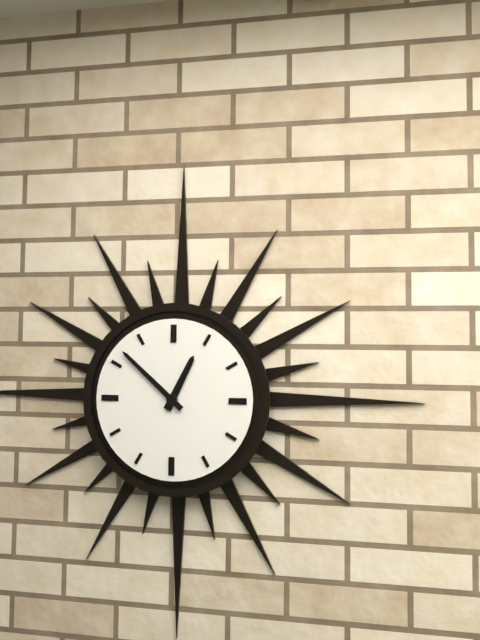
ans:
**12:52**
